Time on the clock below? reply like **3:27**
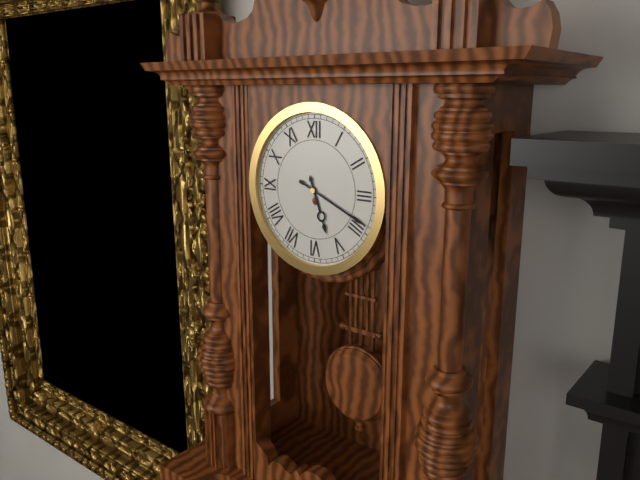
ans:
**5:19**
